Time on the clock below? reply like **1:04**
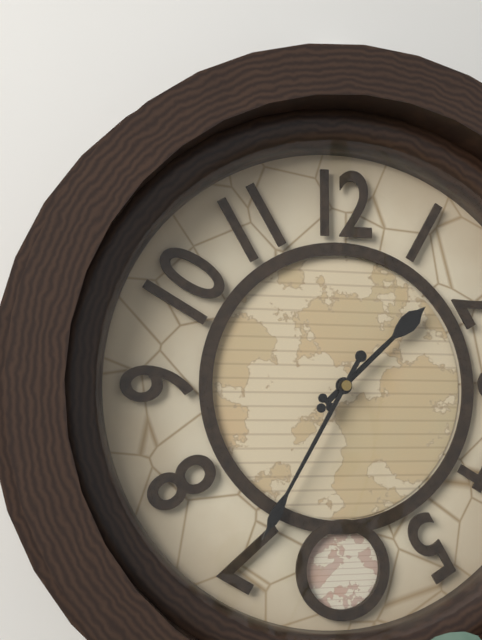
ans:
**1:35**
